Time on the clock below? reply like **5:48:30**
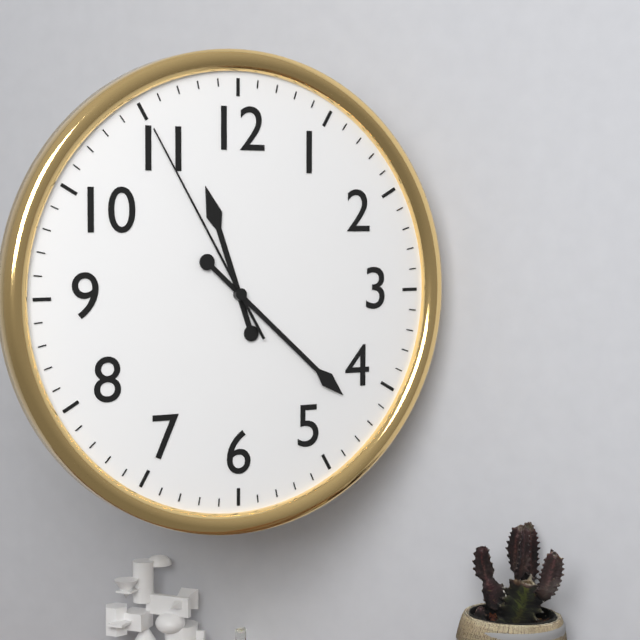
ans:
**11:22:55**
